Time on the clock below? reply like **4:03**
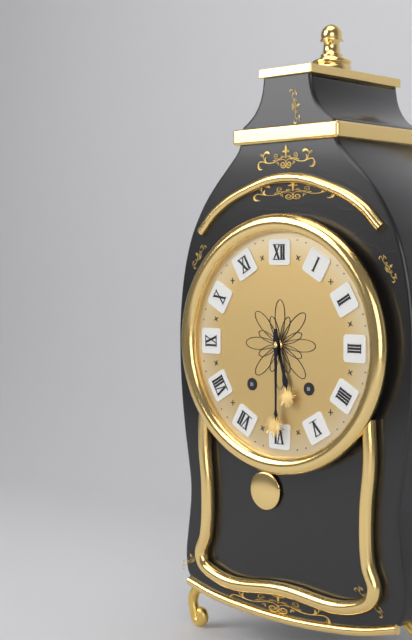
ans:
**5:30**
